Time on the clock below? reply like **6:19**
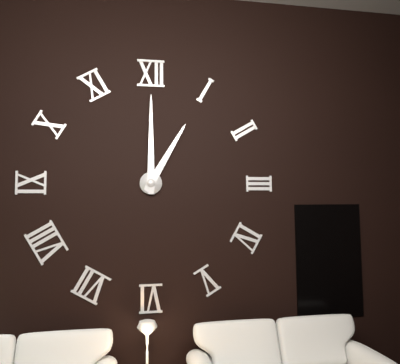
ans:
**1:00**
